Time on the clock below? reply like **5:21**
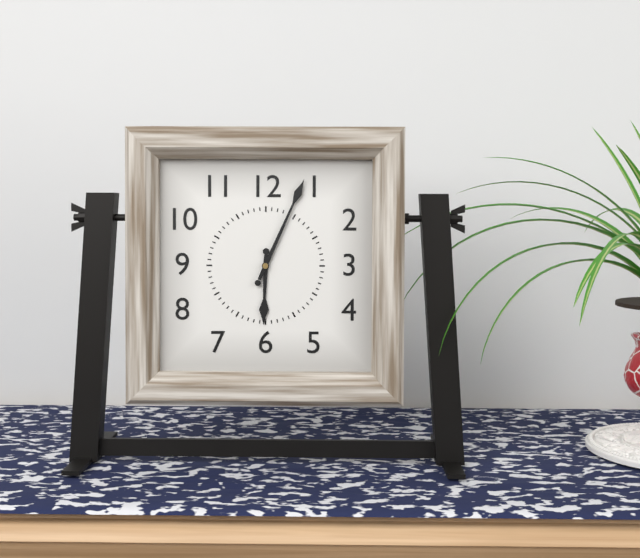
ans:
**6:04**
